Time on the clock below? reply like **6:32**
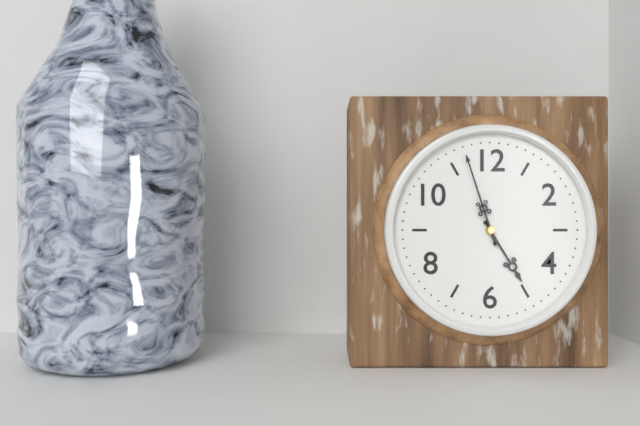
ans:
**4:57**
